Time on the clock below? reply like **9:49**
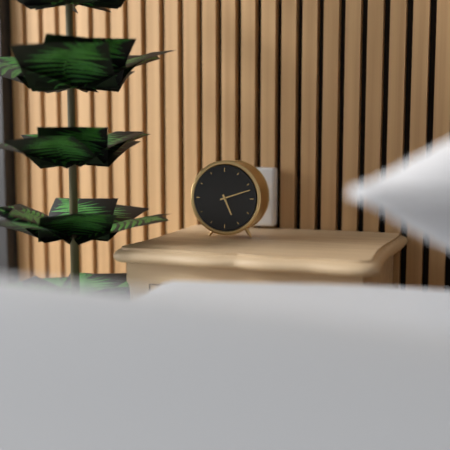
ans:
**5:12**
